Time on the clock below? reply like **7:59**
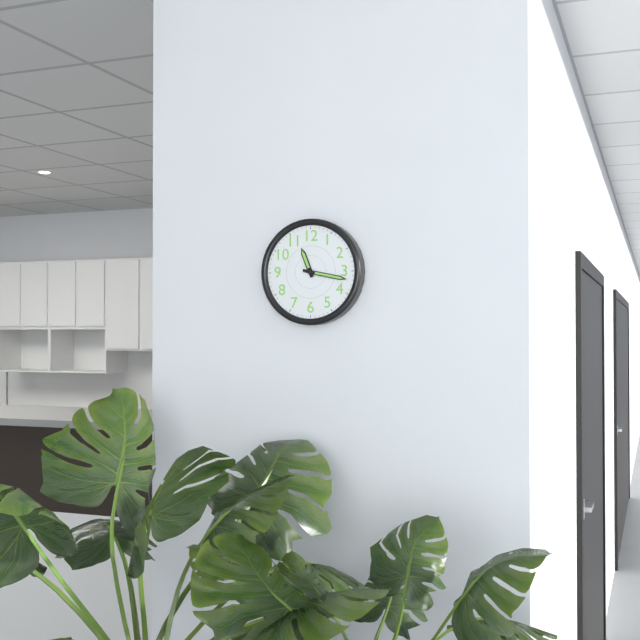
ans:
**11:17**
